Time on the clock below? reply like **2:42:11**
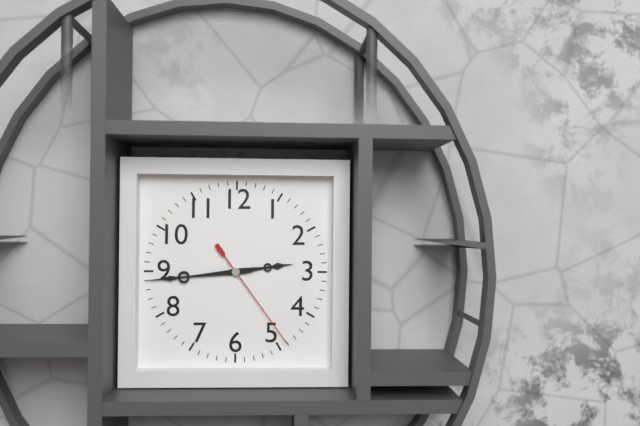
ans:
**2:44:24**
